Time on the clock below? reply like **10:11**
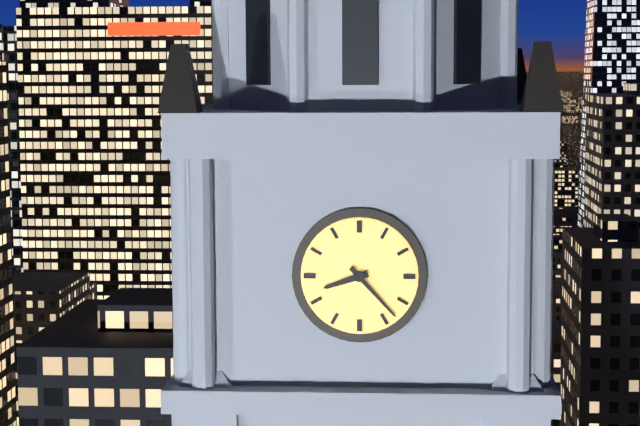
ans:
**8:23**
